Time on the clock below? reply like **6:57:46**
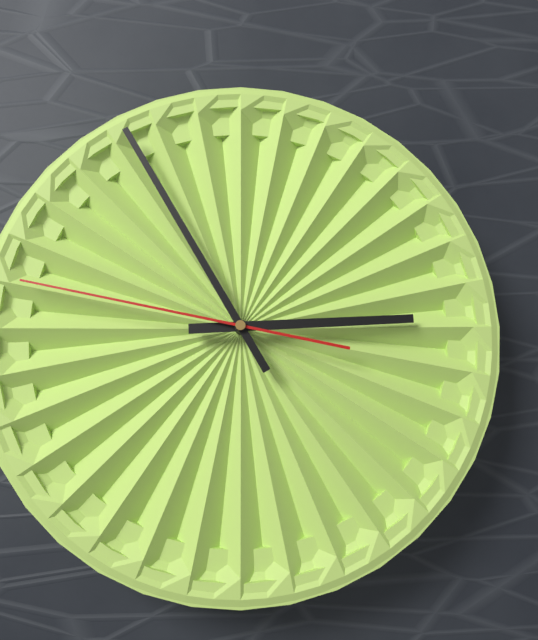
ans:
**2:55:47**
